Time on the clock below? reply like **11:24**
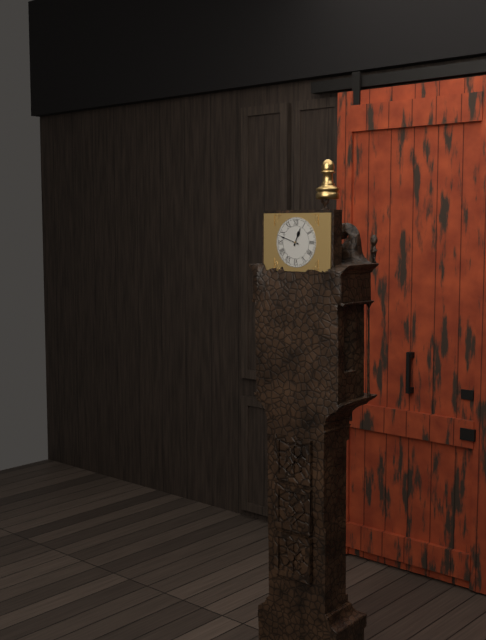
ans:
**12:48**
